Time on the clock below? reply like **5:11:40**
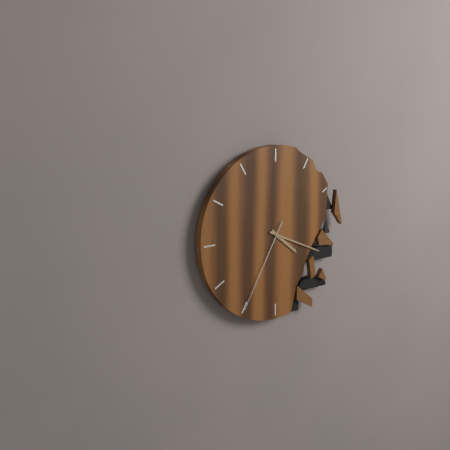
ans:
**4:19:35**
